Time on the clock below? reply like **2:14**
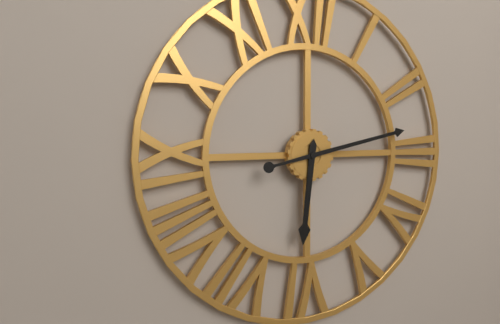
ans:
**6:13**
